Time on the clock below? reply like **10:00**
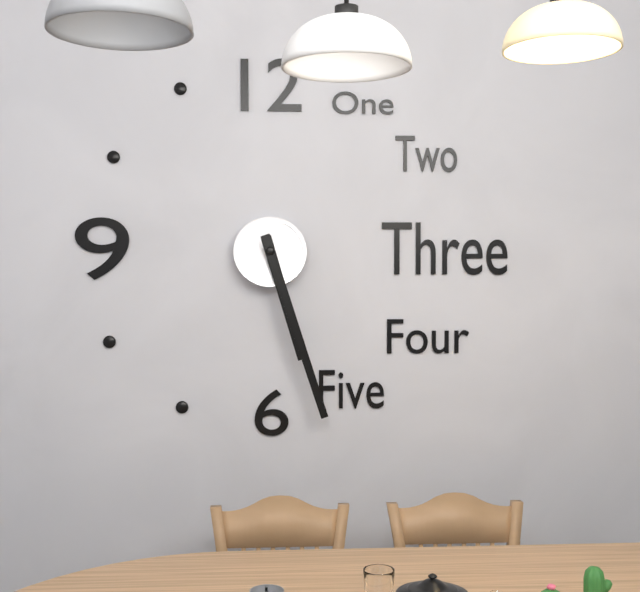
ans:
**5:27**
